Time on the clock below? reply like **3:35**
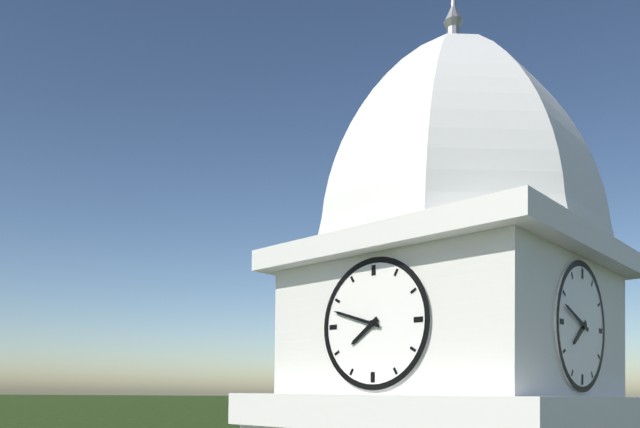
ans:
**7:48**
